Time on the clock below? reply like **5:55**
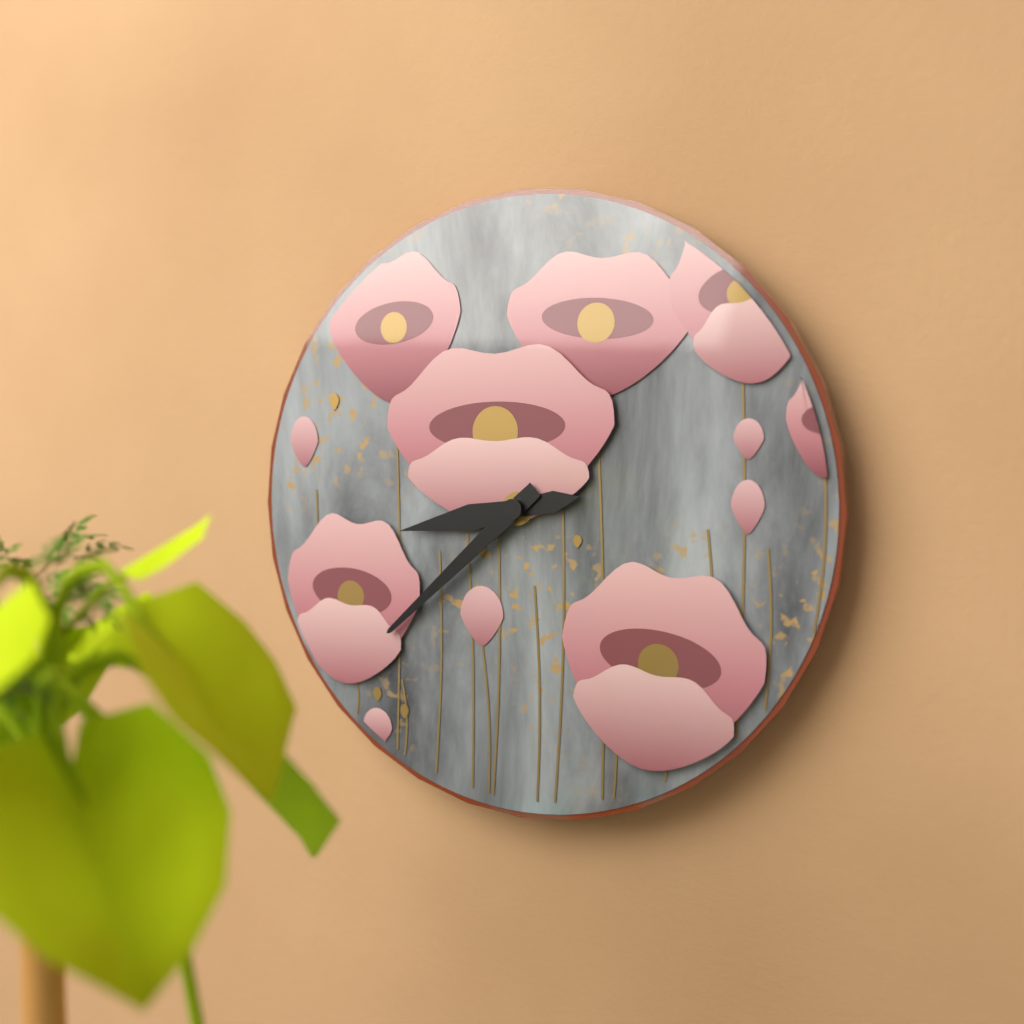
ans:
**8:38**
